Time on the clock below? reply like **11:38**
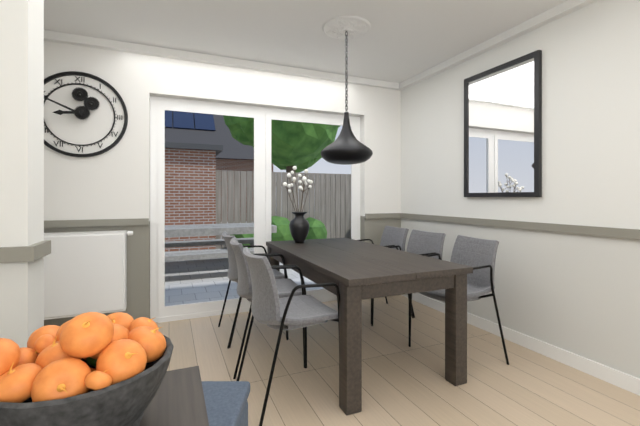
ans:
**8:49**
